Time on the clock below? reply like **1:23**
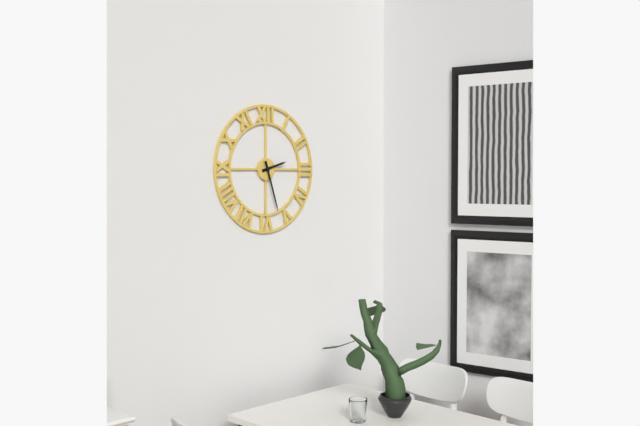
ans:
**2:27**
